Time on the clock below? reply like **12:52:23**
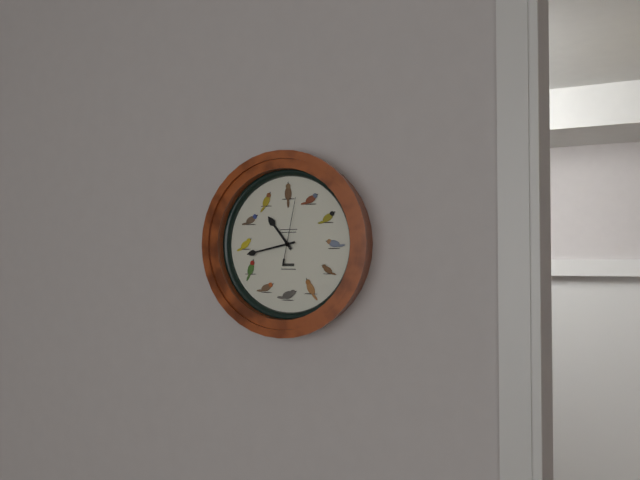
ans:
**10:43:02**
